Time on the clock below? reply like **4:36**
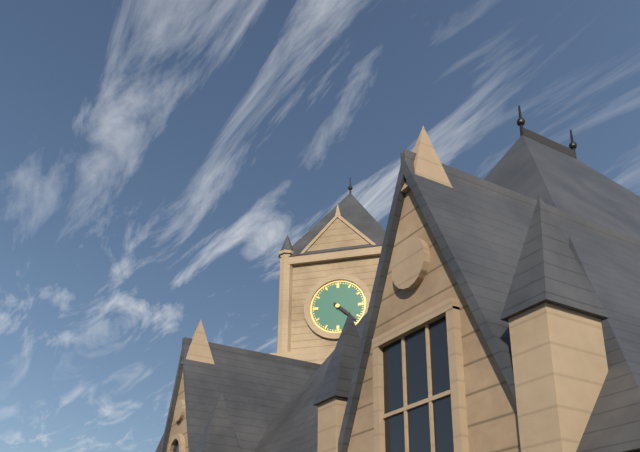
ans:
**4:22**
